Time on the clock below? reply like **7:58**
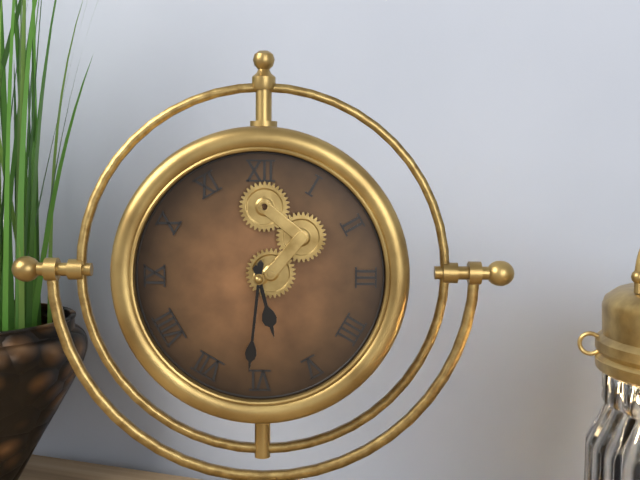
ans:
**5:31**
